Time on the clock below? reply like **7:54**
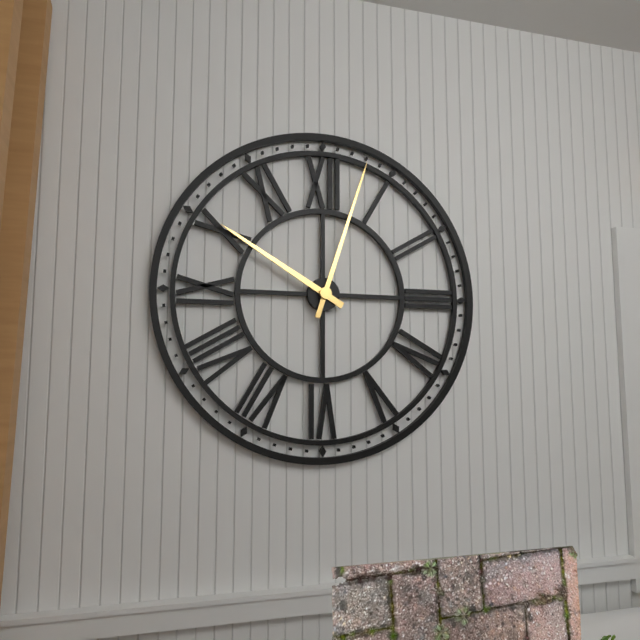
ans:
**10:03**
